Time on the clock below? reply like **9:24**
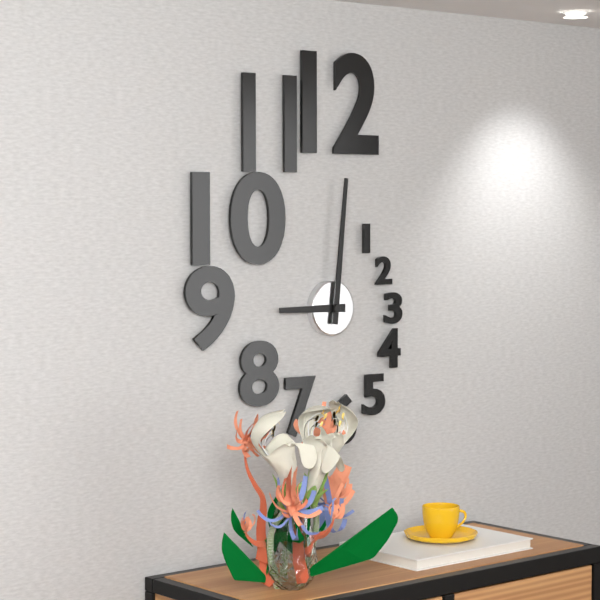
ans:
**9:01**
